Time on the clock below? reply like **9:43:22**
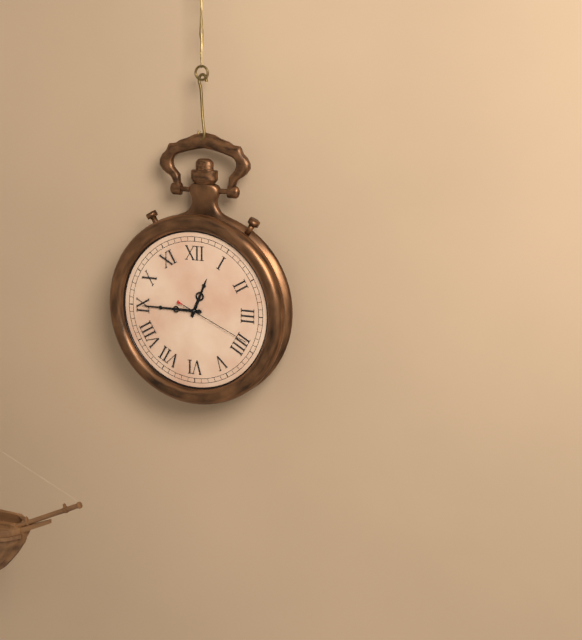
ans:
**12:45:19**
